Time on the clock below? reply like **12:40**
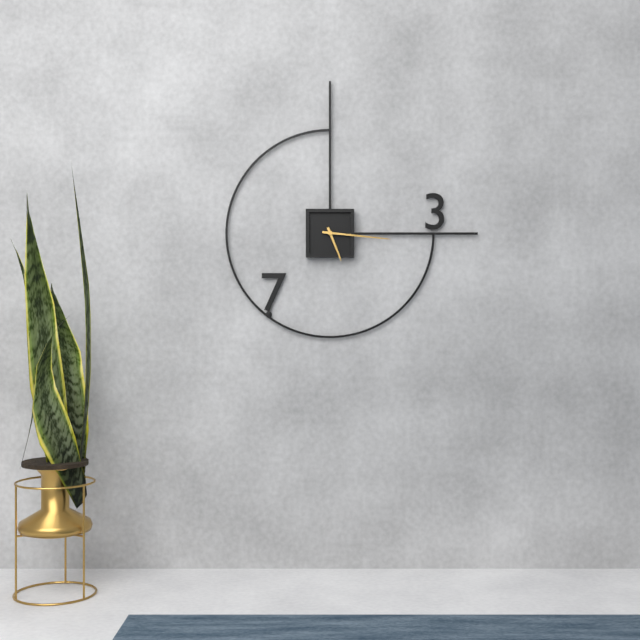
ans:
**5:16**
